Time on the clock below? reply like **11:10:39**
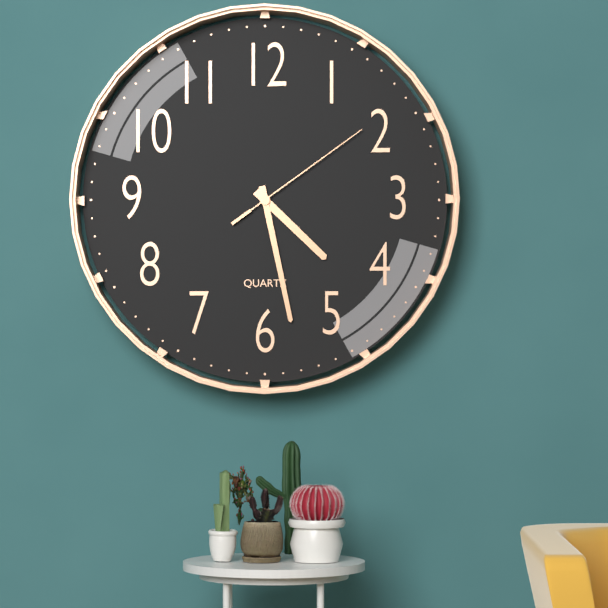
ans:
**4:28:09**
